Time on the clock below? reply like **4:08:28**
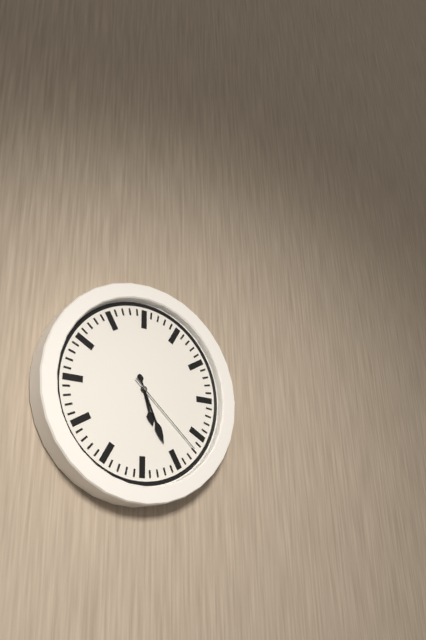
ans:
**5:26:22**
